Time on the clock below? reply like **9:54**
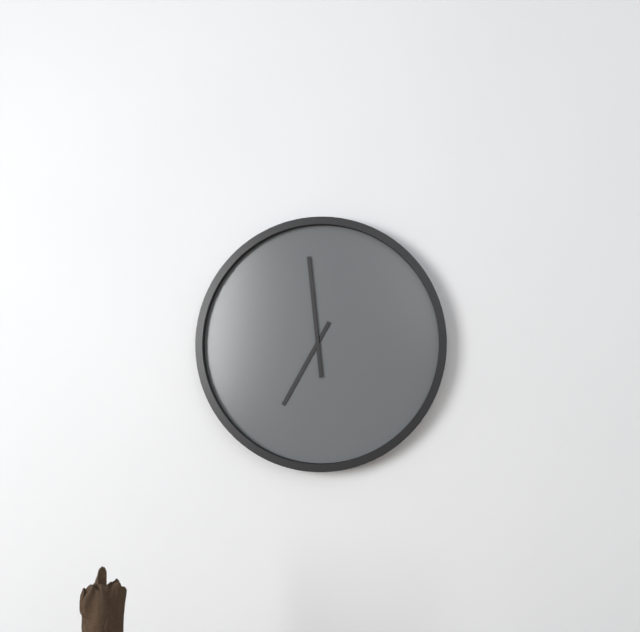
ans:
**6:59**
